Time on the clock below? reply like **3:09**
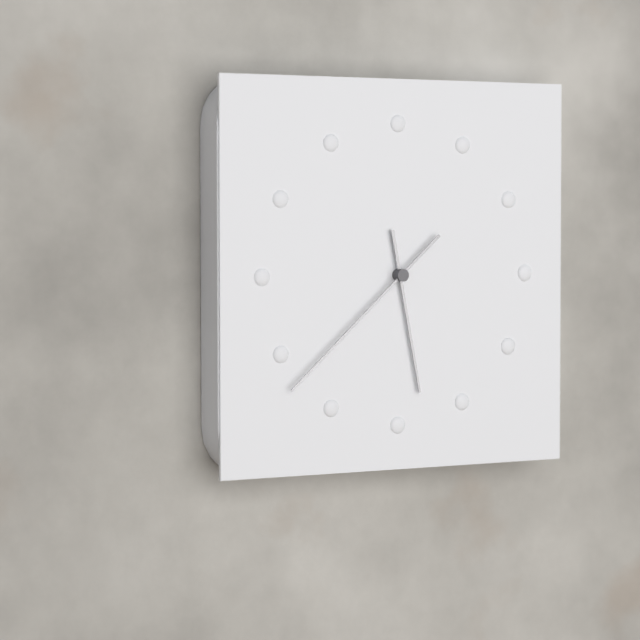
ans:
**5:38**
